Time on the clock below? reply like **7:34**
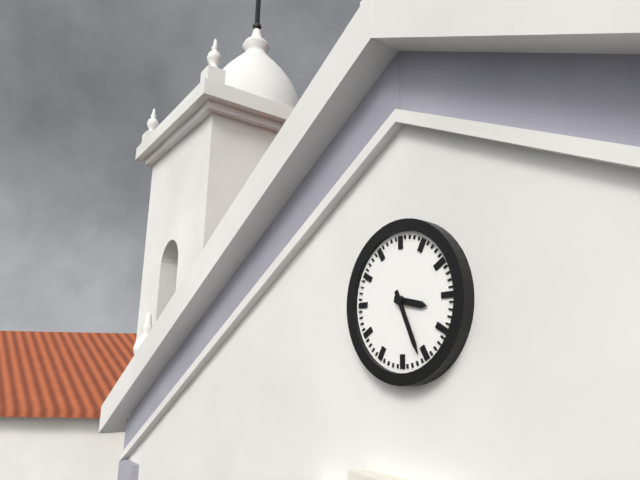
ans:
**3:26**
